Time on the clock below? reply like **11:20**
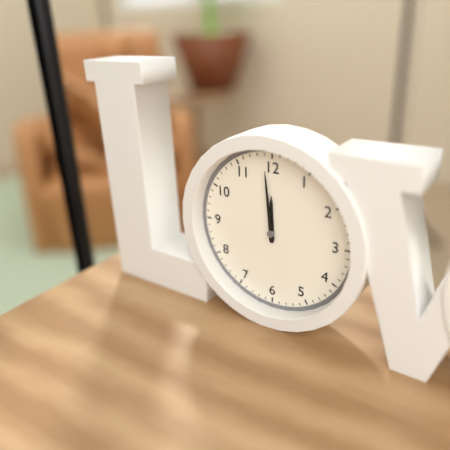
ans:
**11:59**
